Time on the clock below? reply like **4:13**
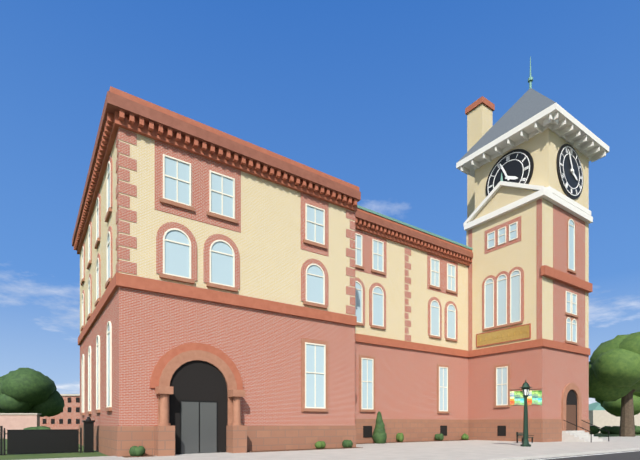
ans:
**3:56**
